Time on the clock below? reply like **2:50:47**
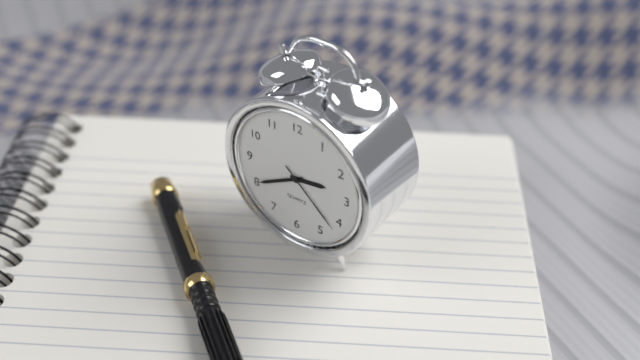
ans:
**2:40:22**
